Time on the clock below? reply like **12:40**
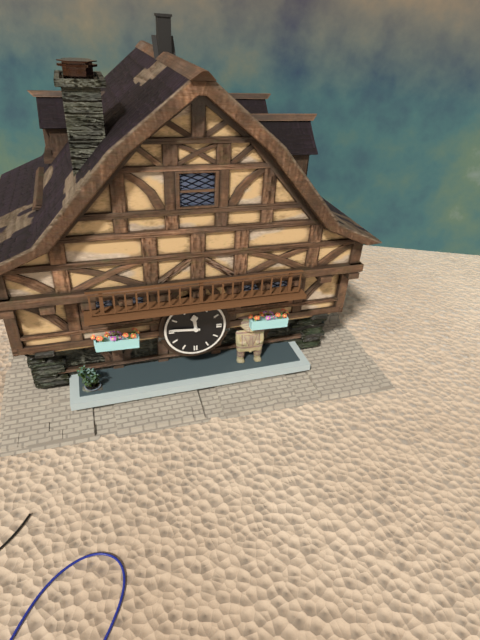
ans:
**11:46**
